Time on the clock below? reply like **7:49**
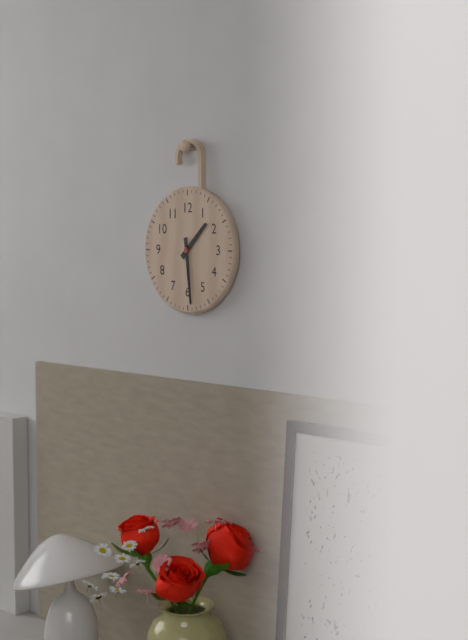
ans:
**1:29**
